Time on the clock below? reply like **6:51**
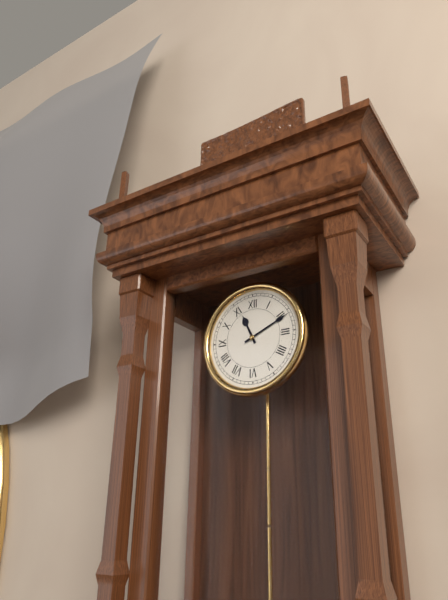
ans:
**11:11**
